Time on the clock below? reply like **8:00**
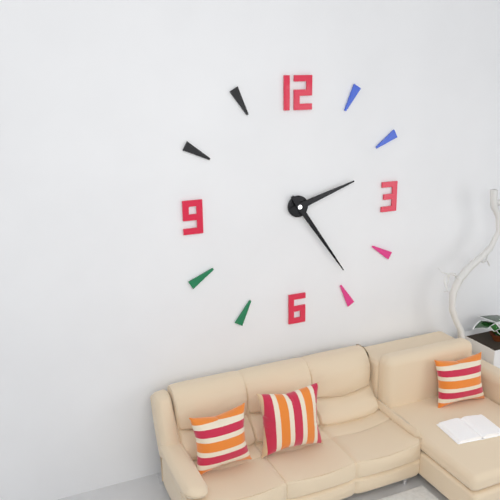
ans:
**2:24**
